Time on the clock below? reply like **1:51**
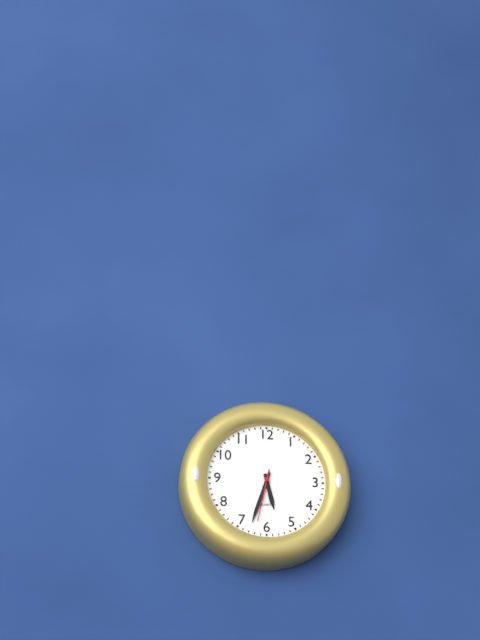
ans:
**5:33**
